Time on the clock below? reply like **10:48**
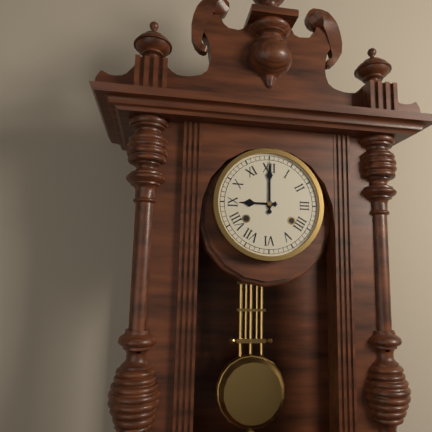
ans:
**9:00**
